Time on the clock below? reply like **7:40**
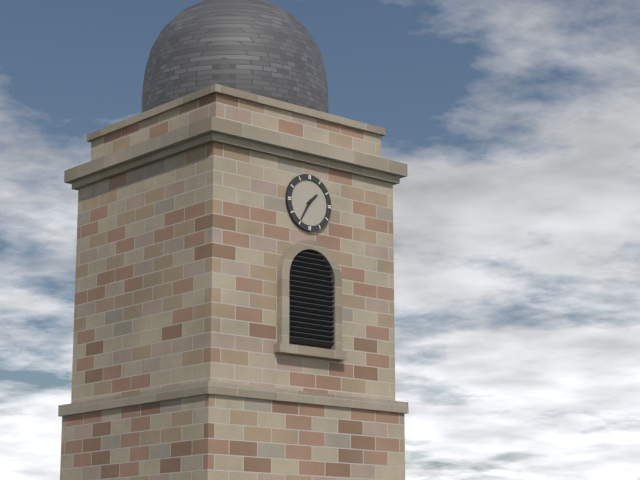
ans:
**1:35**
